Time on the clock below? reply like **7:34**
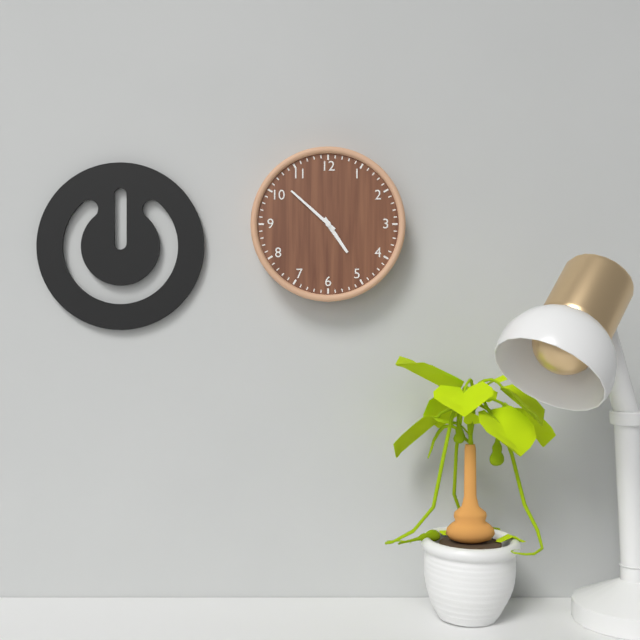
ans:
**4:52**
